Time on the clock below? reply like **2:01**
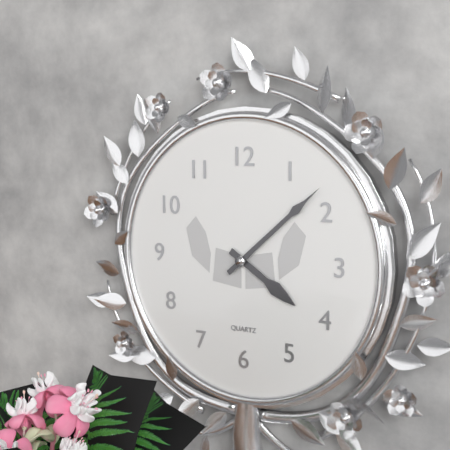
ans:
**4:08**
